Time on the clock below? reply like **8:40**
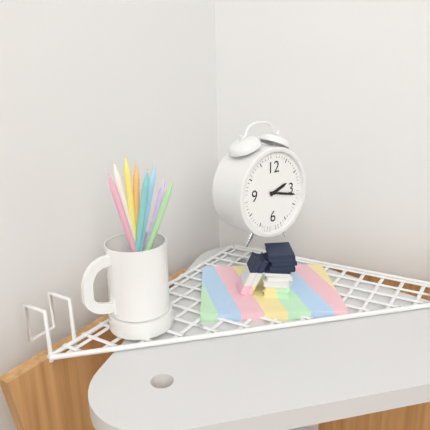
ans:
**2:17**
